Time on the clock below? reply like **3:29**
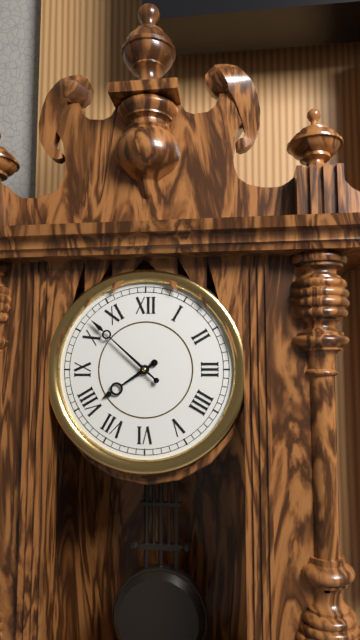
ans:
**7:52**
